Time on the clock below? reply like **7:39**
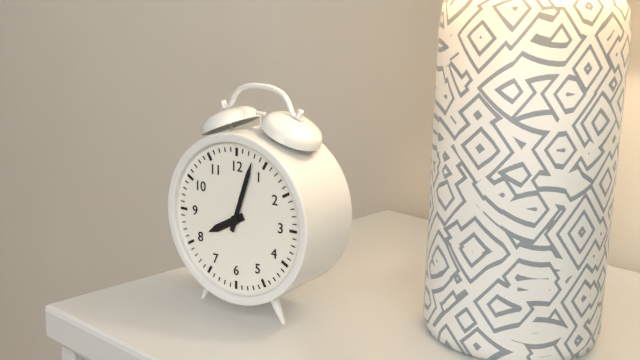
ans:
**8:03**
